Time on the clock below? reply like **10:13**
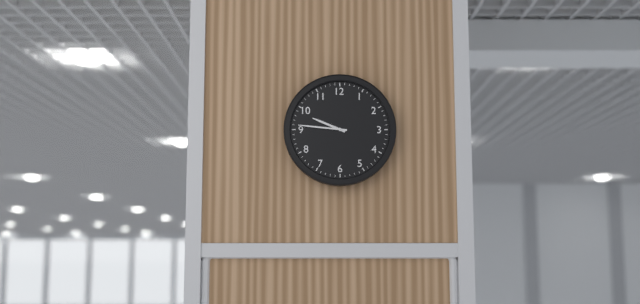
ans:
**9:46**
